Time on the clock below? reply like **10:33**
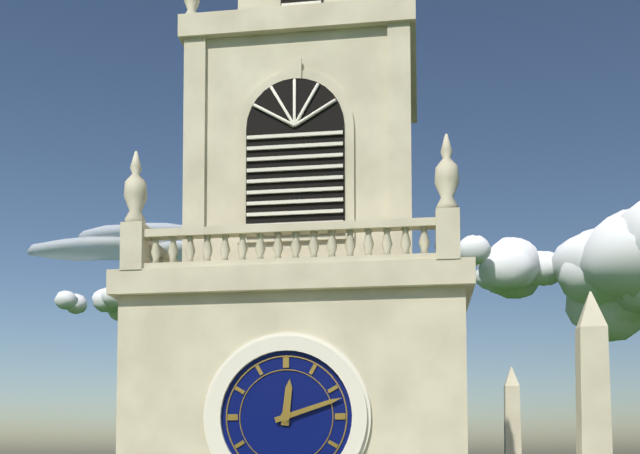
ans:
**12:12**
